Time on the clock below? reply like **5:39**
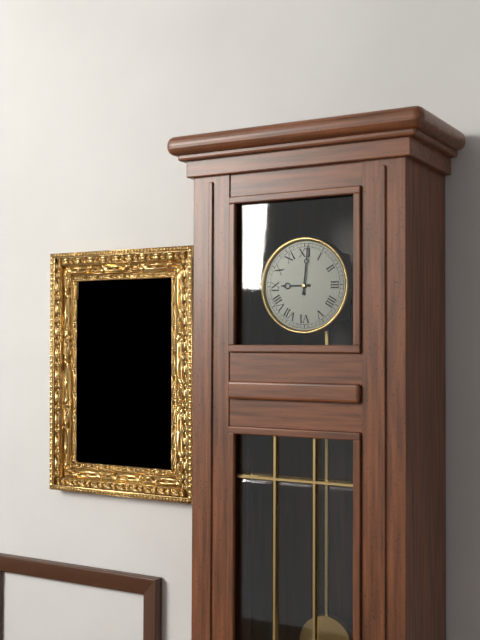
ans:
**9:01**
